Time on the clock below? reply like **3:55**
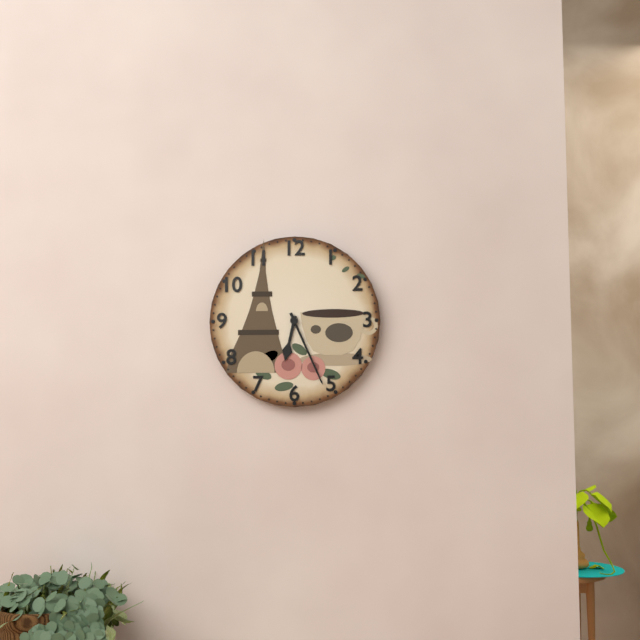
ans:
**6:26**
